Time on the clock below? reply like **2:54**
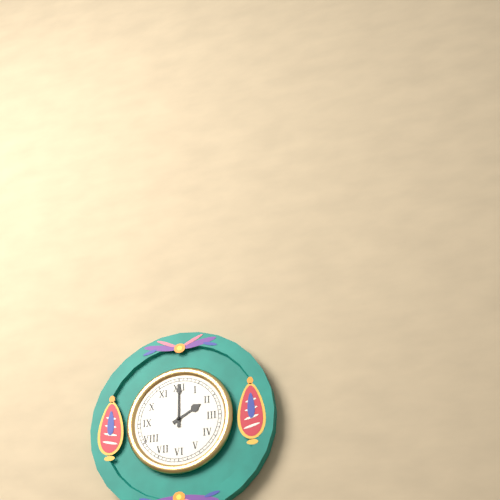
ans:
**2:00**
